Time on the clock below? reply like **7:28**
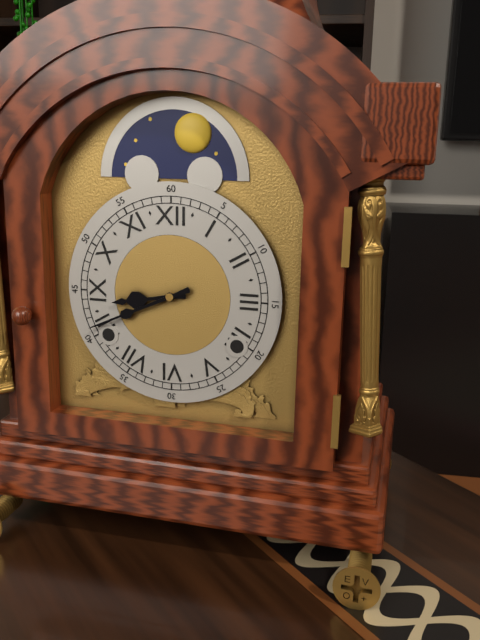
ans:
**8:41**
